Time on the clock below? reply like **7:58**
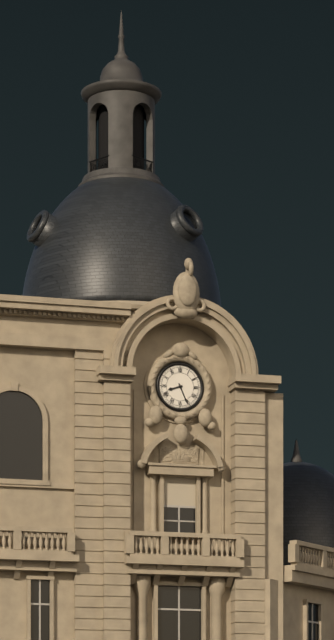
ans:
**8:26**
